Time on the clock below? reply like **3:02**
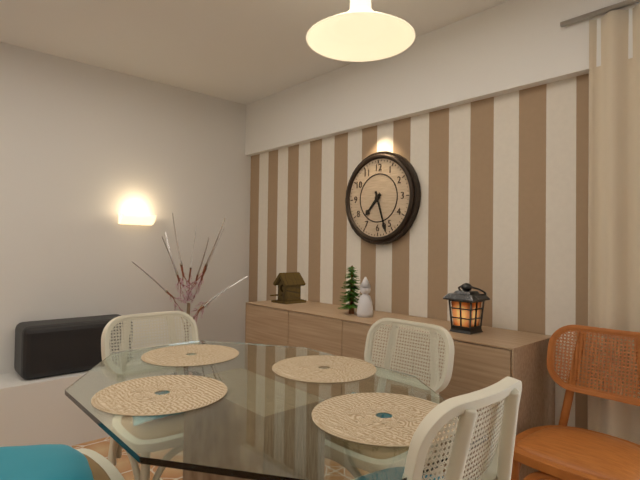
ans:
**7:27**
